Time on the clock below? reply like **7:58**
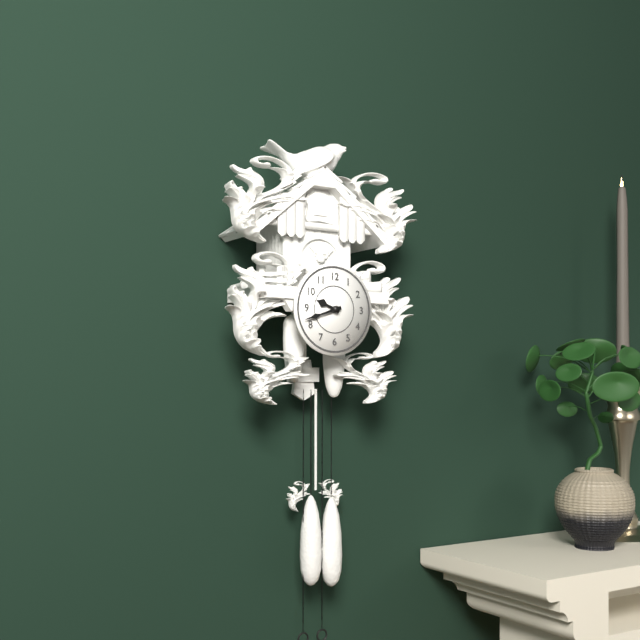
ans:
**9:42**
